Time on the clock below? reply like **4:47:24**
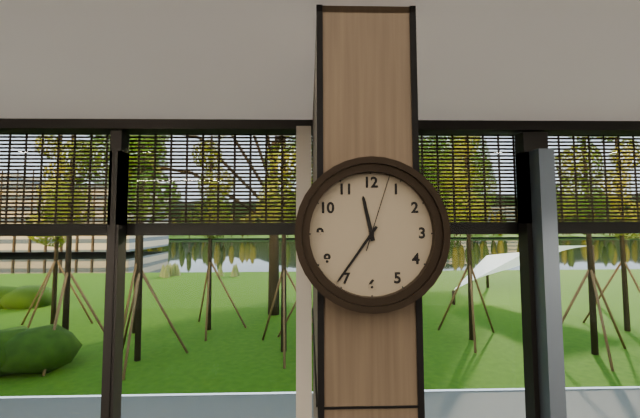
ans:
**11:36:03**
